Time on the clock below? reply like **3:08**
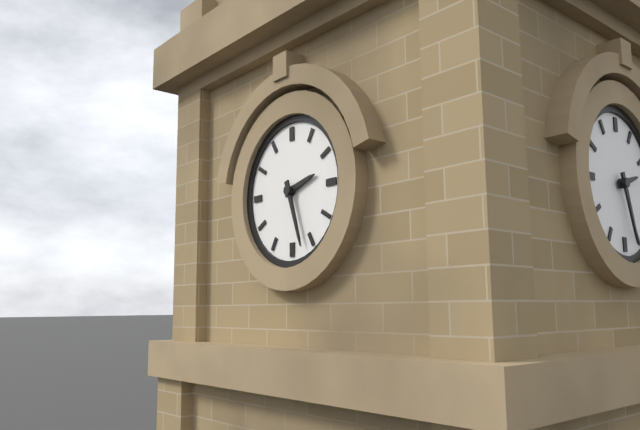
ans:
**2:27**
